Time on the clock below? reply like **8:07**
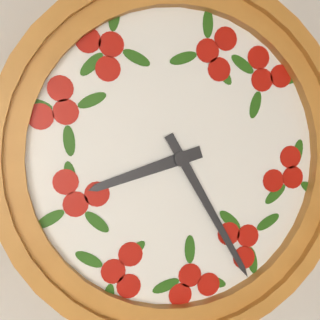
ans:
**8:25**
